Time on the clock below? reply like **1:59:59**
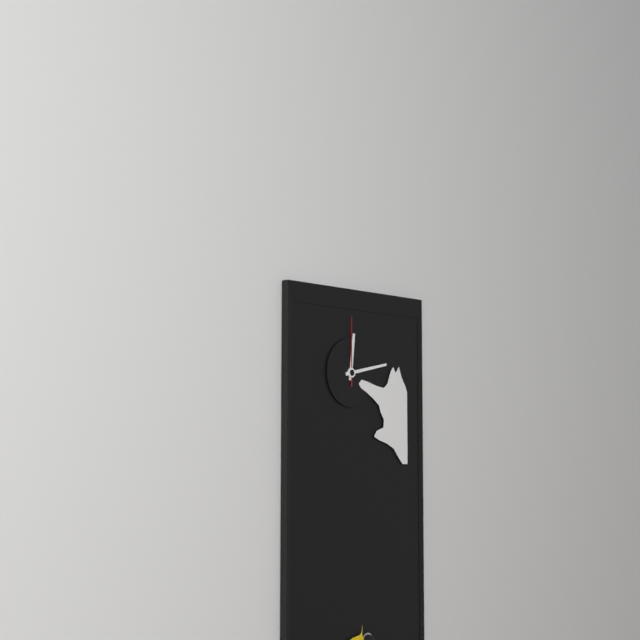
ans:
**12:13:00**
